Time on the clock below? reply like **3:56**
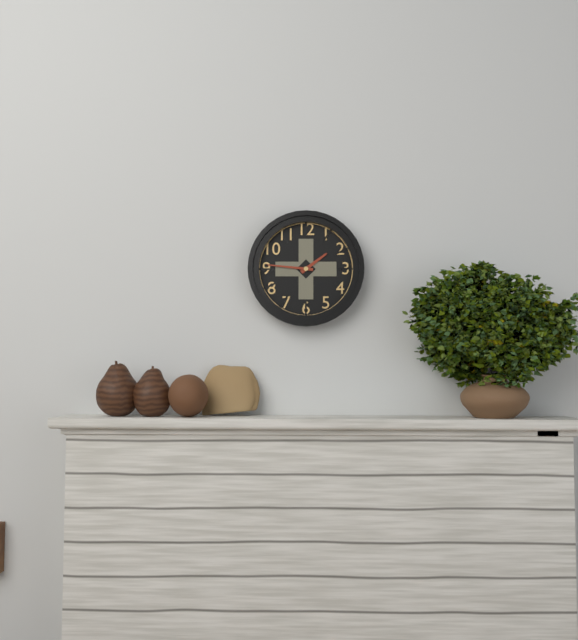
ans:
**1:46**
